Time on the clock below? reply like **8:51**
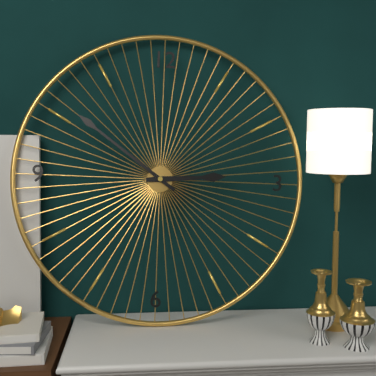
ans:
**2:51**
